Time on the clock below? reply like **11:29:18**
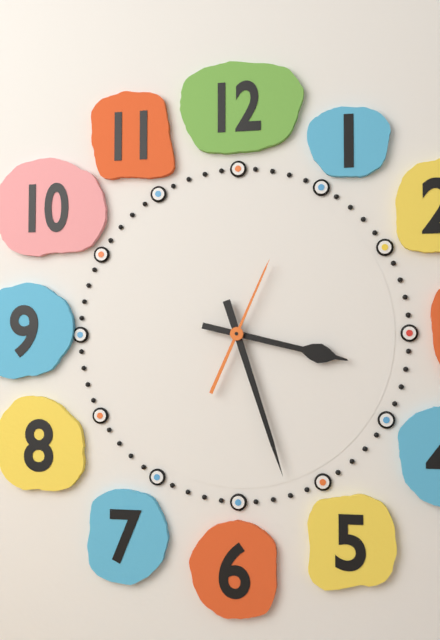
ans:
**3:27:04**
